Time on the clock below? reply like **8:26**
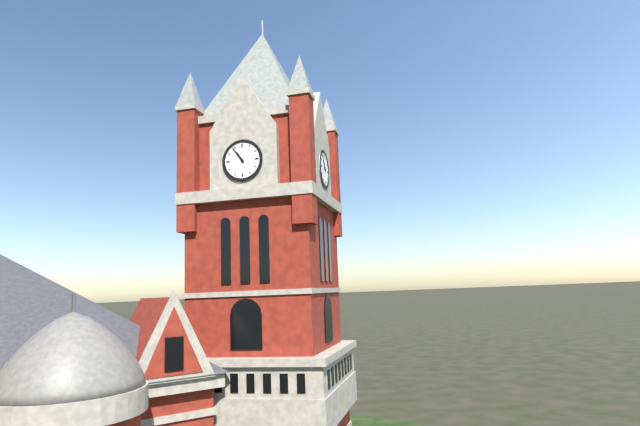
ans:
**10:54**
